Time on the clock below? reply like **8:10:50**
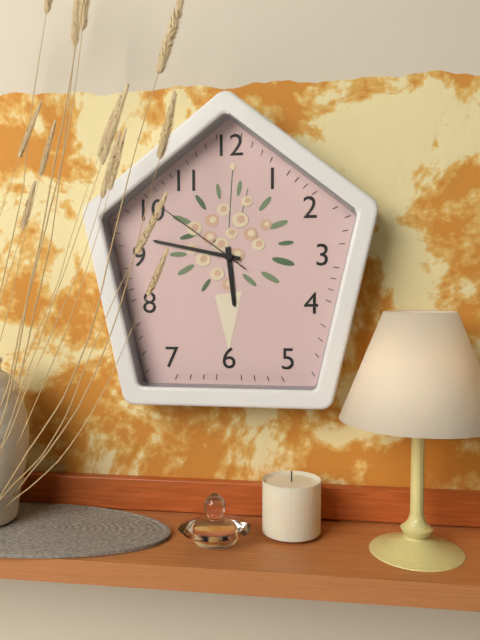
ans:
**5:47:51**
